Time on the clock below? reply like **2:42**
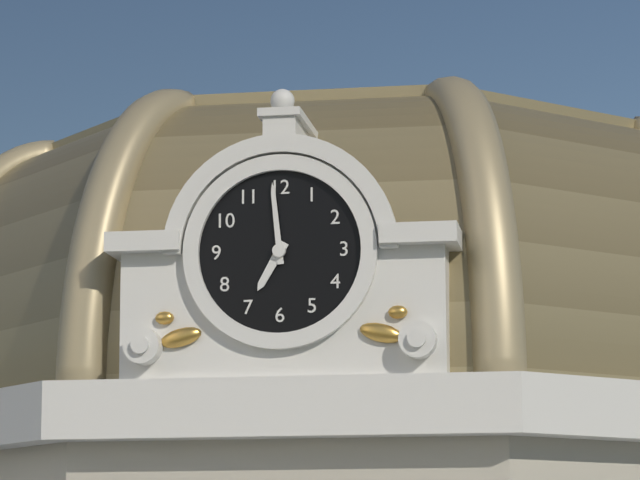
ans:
**6:59**
